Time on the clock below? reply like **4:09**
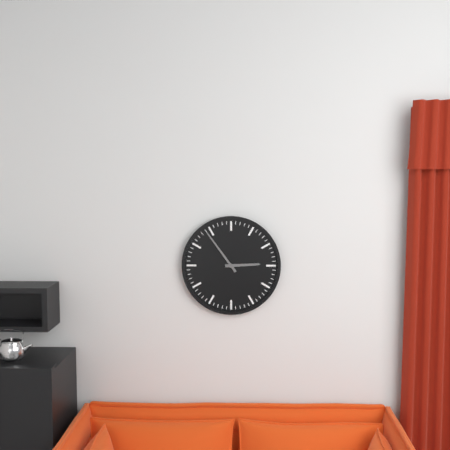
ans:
**2:54**
